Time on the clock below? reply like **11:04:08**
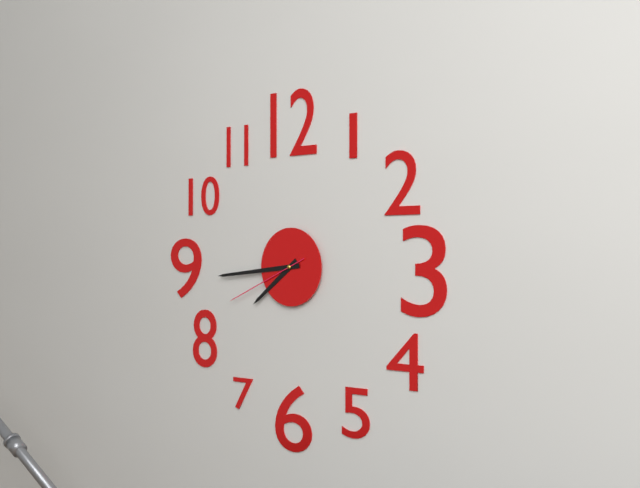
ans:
**7:44:41**
